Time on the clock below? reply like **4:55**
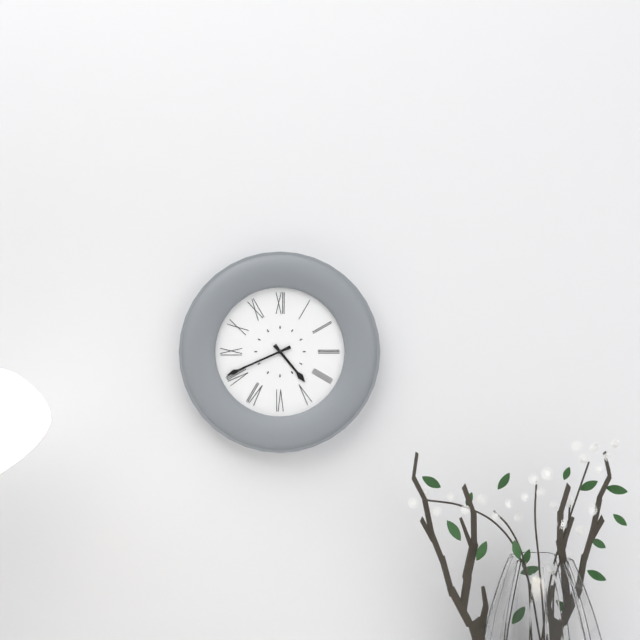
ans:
**4:41**
